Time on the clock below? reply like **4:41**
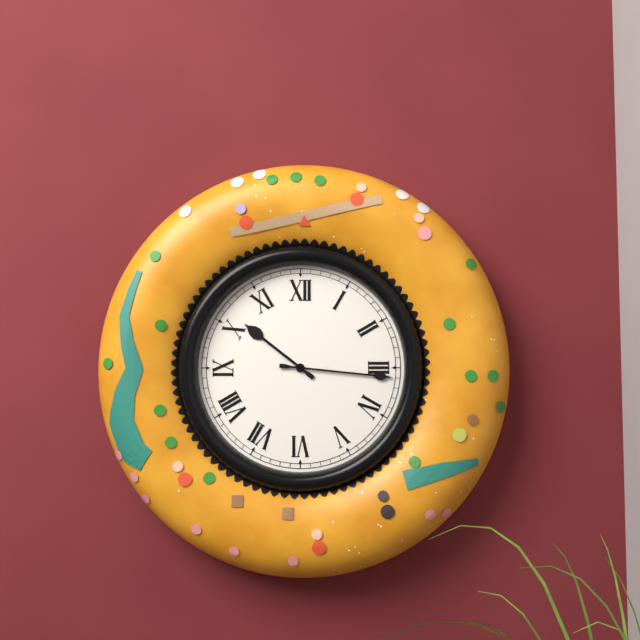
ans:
**10:16**
